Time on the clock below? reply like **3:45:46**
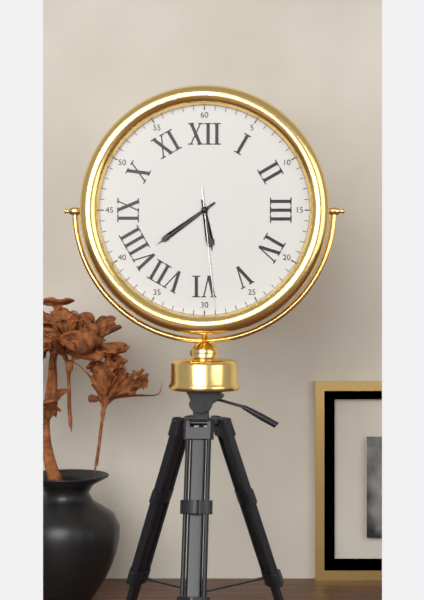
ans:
**5:39:29**
